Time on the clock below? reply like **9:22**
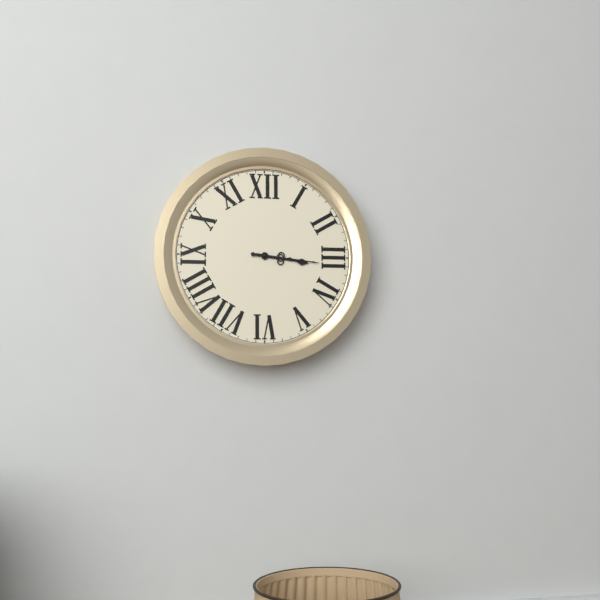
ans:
**3:16**
